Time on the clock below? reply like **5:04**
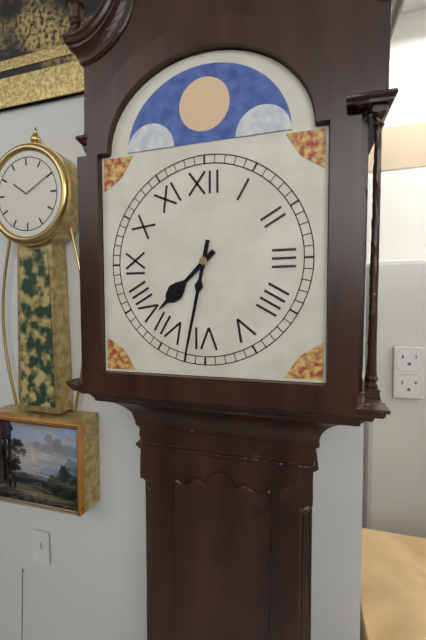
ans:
**7:32**
